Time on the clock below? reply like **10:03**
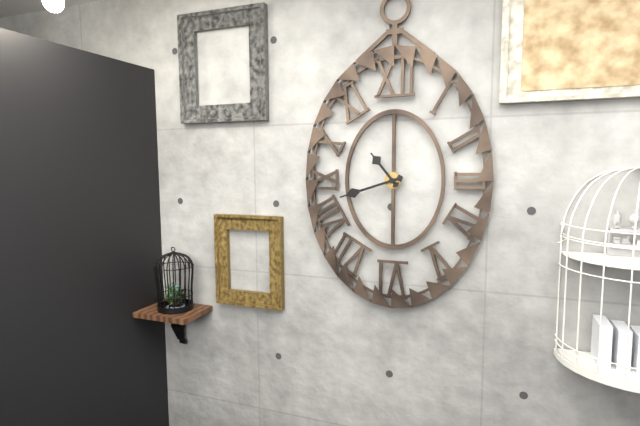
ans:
**10:42**
